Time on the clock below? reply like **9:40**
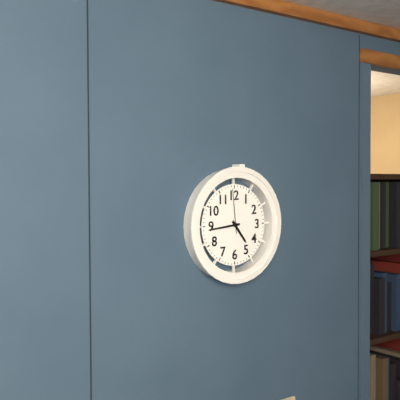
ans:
**4:44**
